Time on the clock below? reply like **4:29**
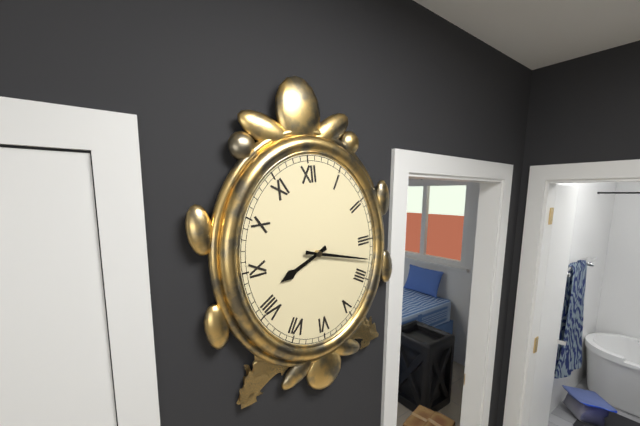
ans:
**8:18**
